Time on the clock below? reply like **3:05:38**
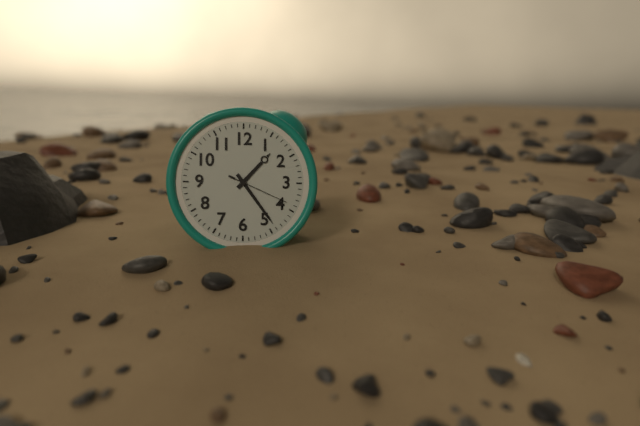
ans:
**1:24:19**
